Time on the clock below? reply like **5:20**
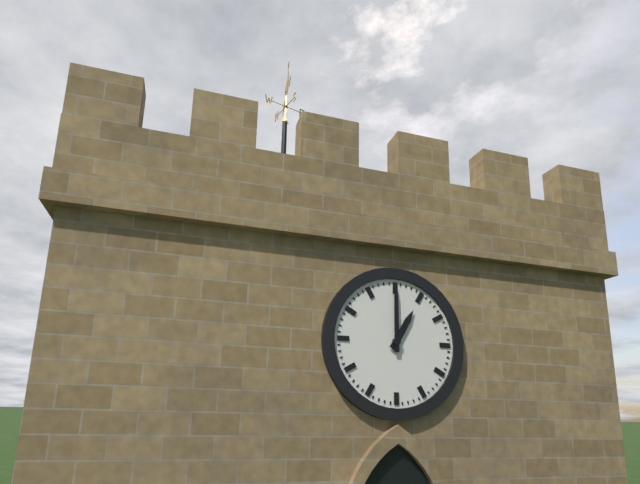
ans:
**1:00**
